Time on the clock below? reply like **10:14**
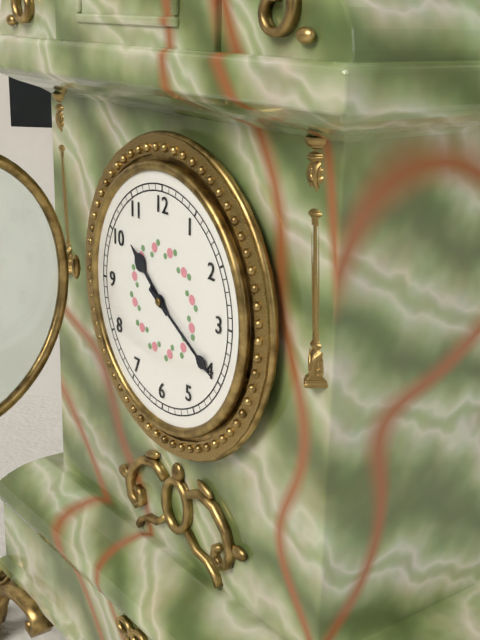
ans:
**10:20**
